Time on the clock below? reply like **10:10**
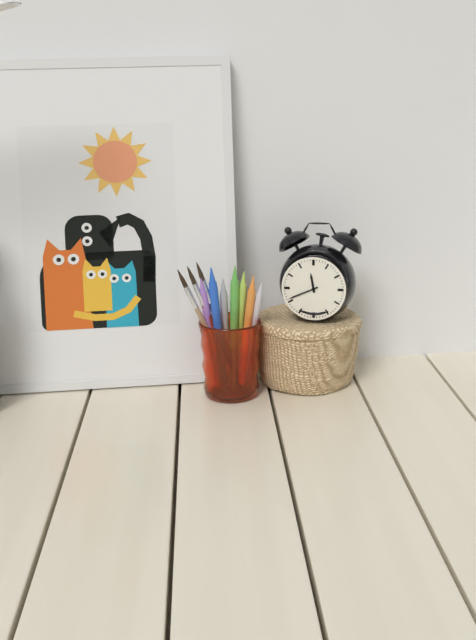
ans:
**11:41**
